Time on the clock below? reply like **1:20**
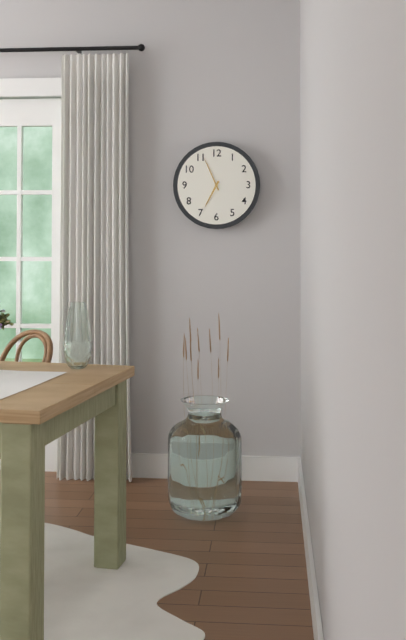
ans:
**6:56**
